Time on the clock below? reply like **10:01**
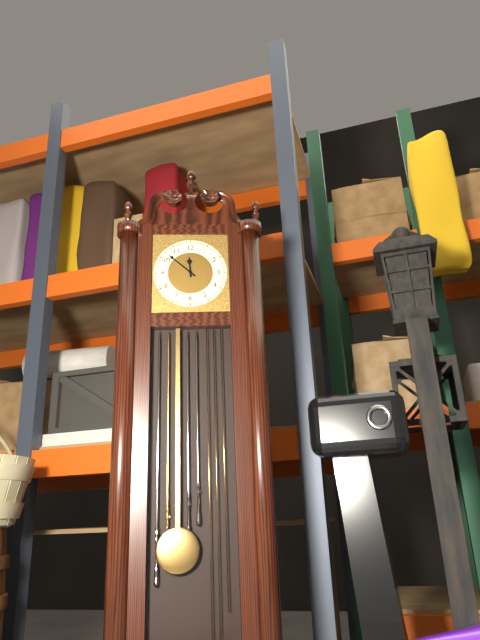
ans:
**11:52**
